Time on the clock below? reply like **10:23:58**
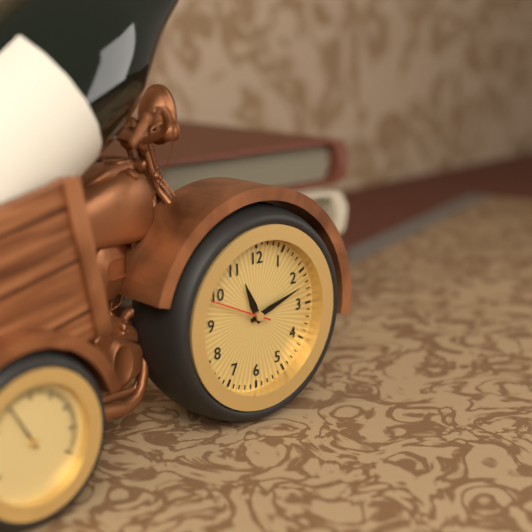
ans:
**11:12:49**
